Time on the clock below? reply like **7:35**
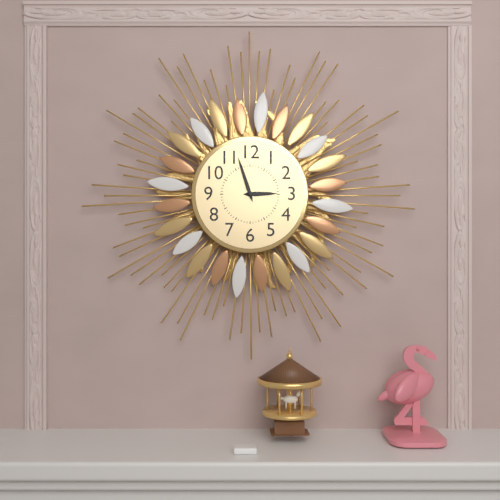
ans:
**2:57**
